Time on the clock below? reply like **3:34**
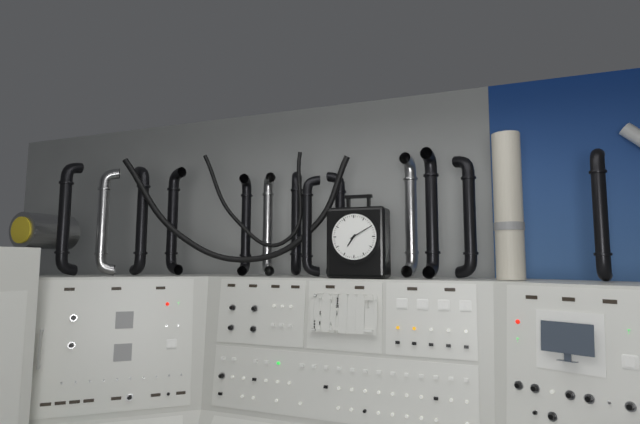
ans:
**7:10**
